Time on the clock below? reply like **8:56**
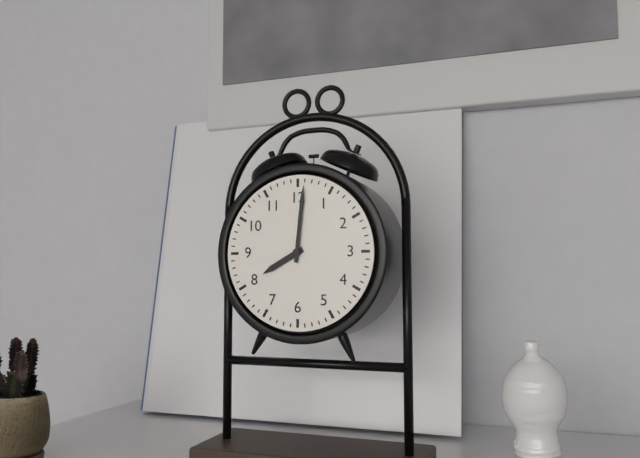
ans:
**8:01**
